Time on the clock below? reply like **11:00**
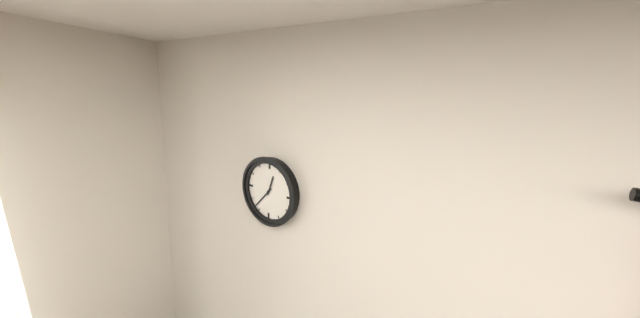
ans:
**12:37**
